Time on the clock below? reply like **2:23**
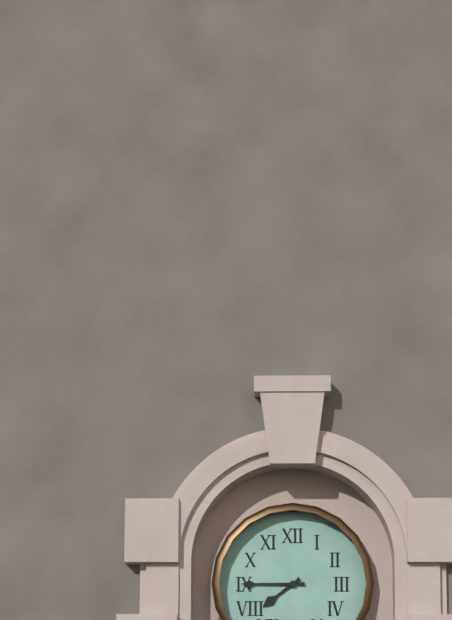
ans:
**7:45**
